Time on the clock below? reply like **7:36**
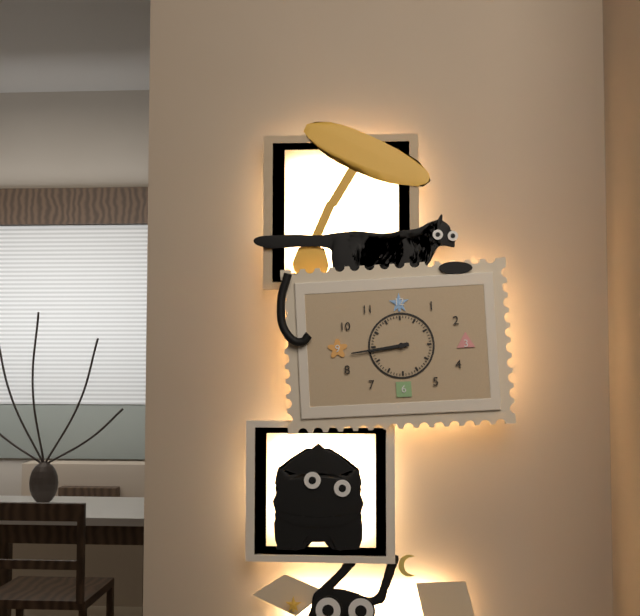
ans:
**8:44**
